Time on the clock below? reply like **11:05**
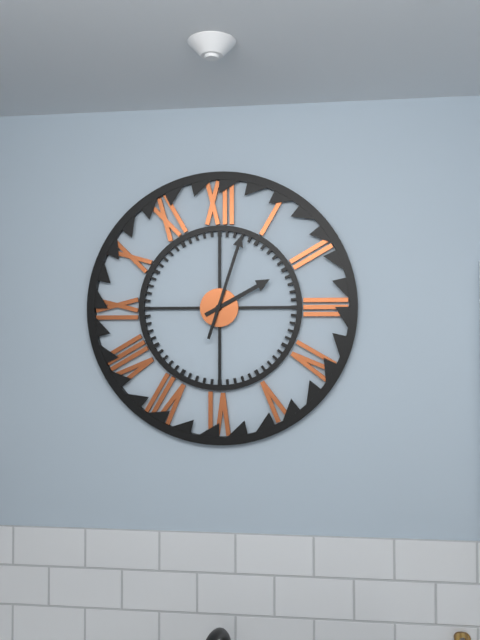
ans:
**2:03**
